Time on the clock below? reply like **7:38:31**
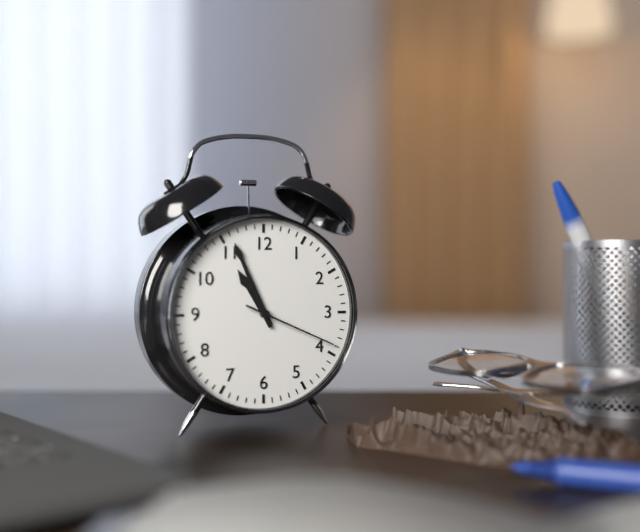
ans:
**10:56:19**
